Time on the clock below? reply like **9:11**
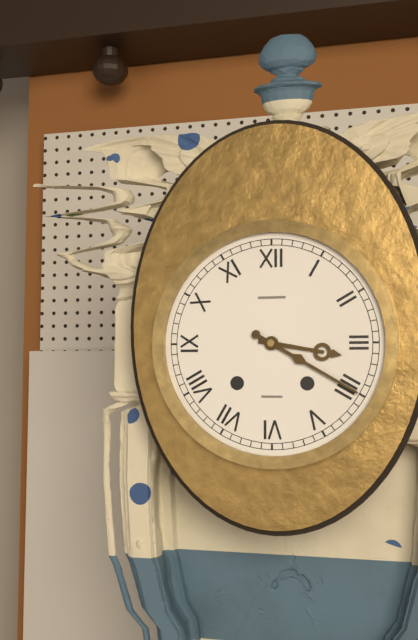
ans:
**3:20**
